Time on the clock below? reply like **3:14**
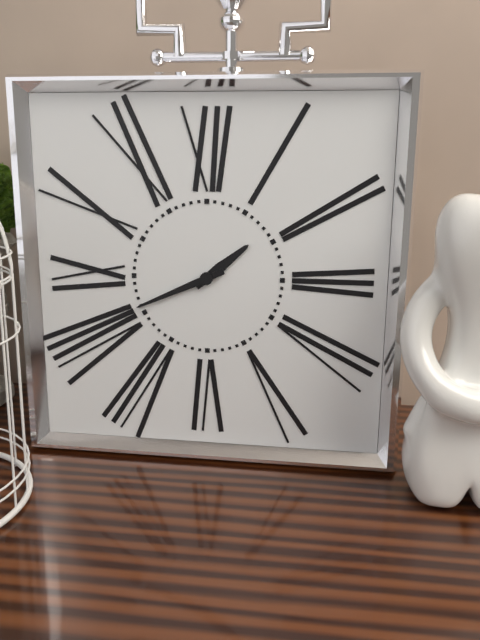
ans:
**1:41**
